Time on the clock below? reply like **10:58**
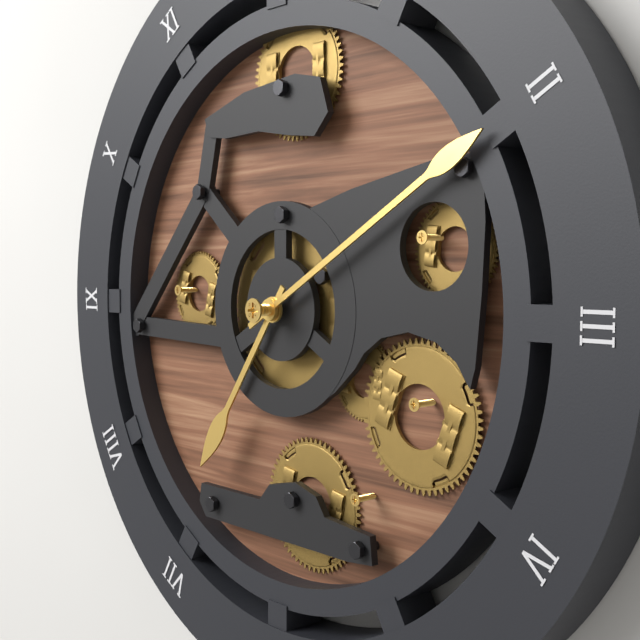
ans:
**7:10**
